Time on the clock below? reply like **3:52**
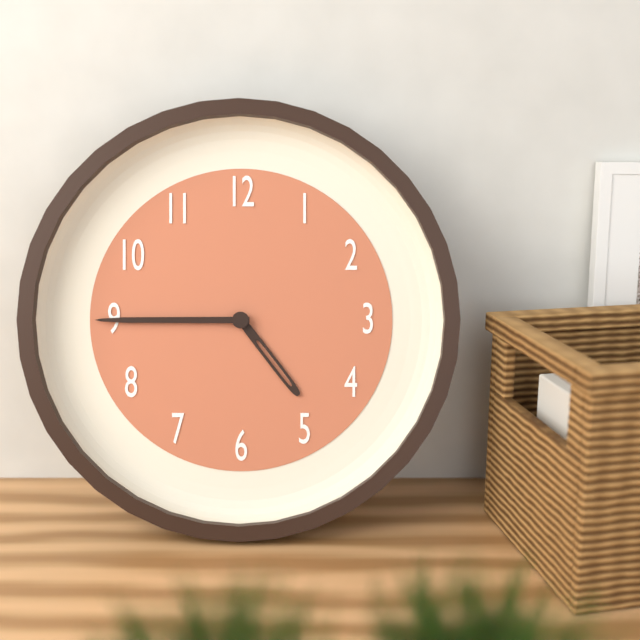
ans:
**4:45**
